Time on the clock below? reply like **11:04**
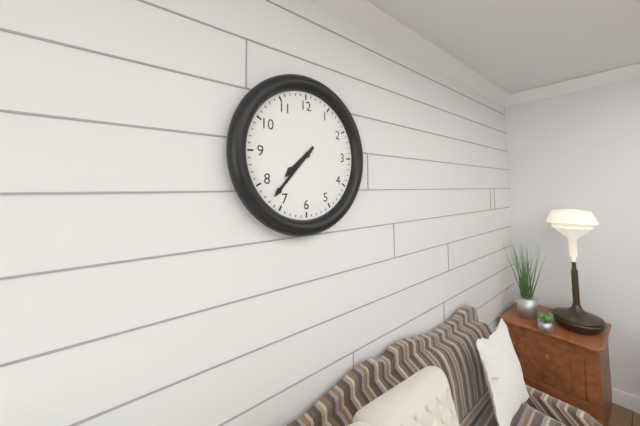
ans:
**7:37**
